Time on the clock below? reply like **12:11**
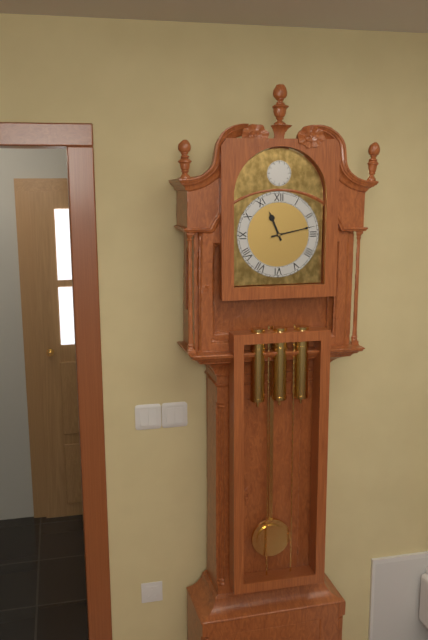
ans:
**11:13**
